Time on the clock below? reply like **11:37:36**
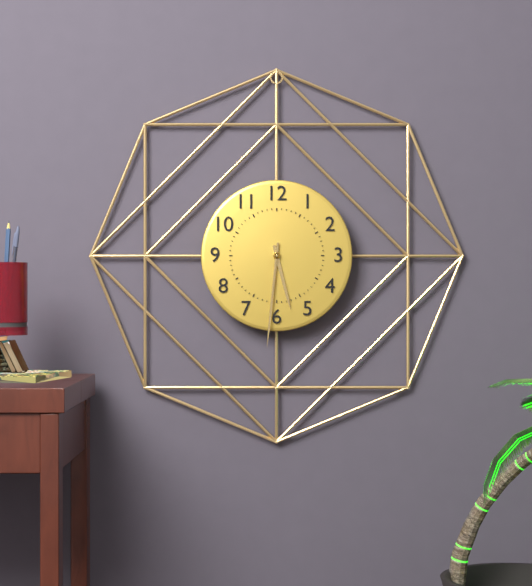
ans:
**5:31:31**
